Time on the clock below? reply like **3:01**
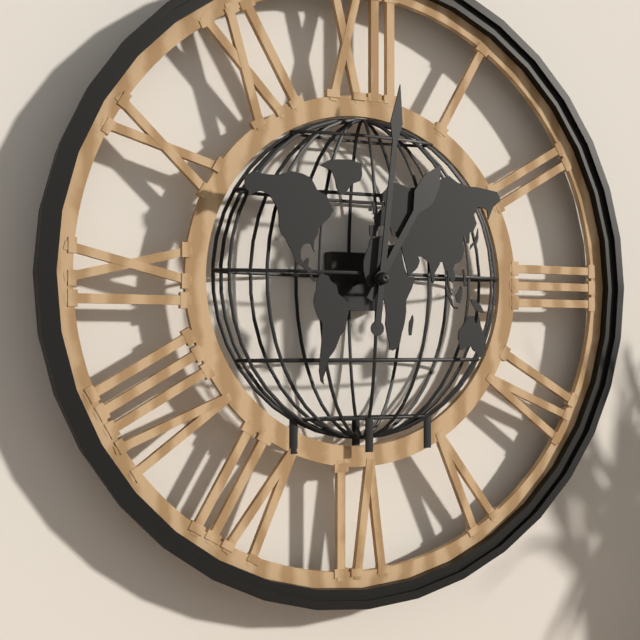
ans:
**1:01**
